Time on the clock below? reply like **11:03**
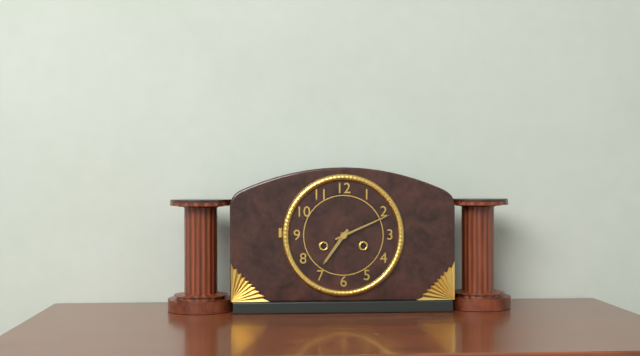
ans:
**7:11**
